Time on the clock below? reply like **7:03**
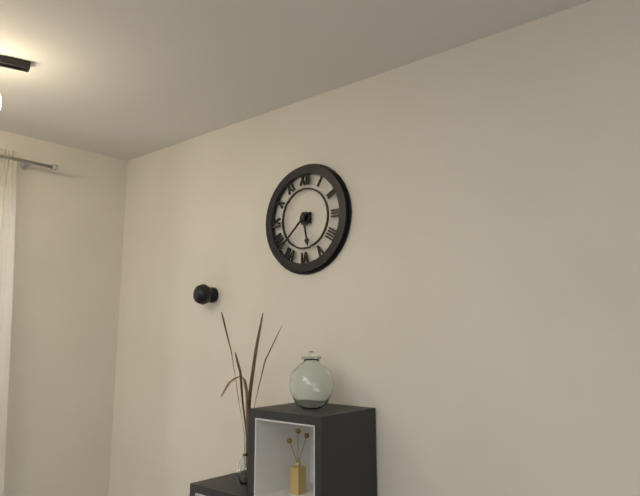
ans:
**5:38**
